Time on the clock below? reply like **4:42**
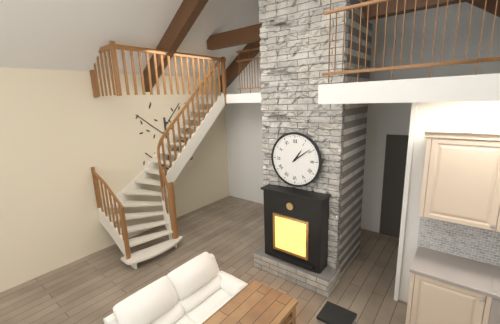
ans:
**1:09**
